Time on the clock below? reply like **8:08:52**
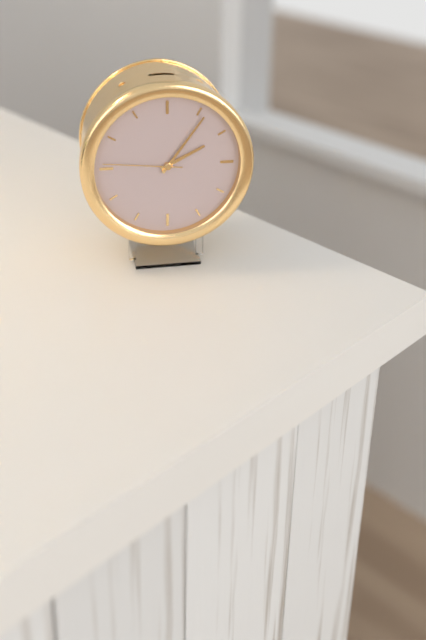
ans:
**2:06:46**
